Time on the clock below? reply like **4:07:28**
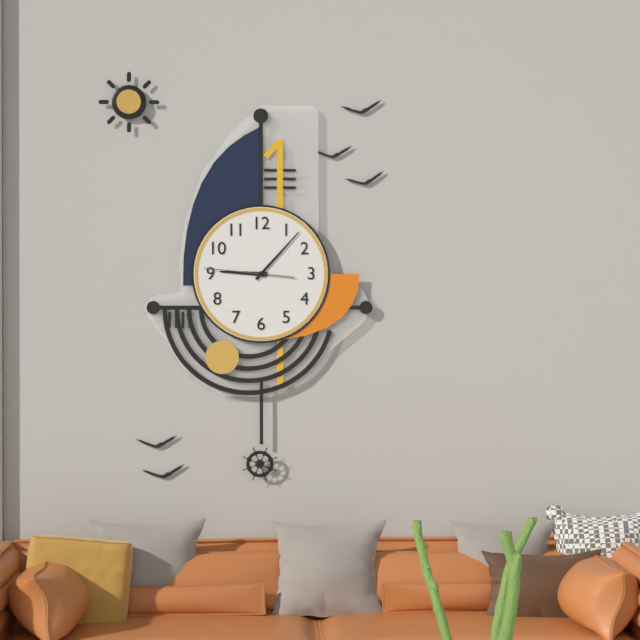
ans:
**9:07:46**
